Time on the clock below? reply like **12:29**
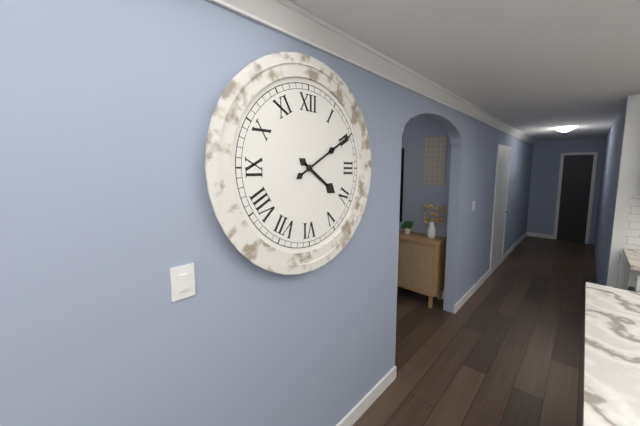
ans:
**4:10**
